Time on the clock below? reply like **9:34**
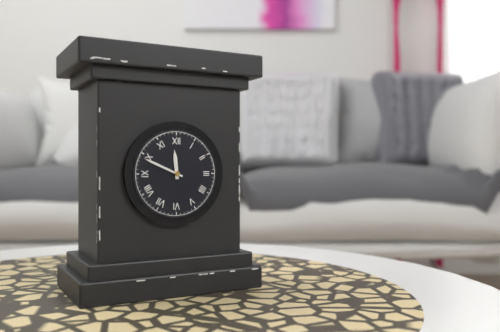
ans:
**11:49**
